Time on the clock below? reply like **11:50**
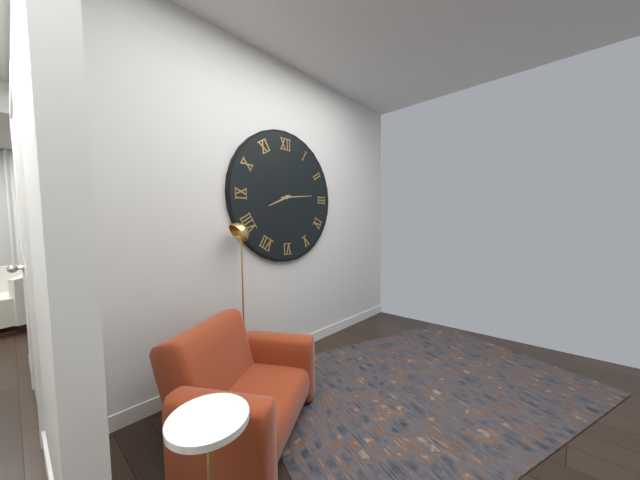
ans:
**8:14**
